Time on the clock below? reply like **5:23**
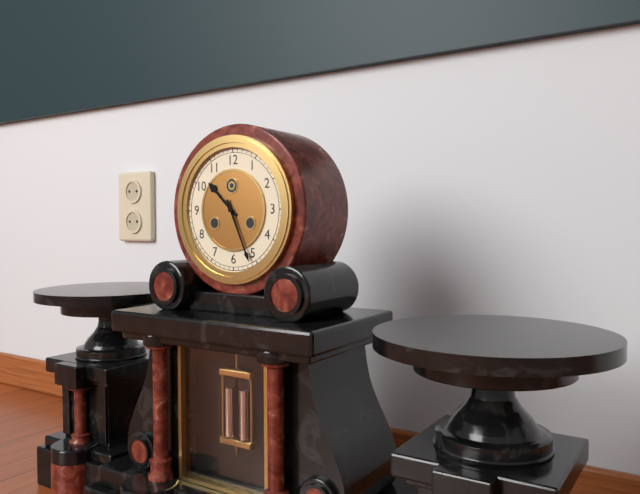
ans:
**10:26**
